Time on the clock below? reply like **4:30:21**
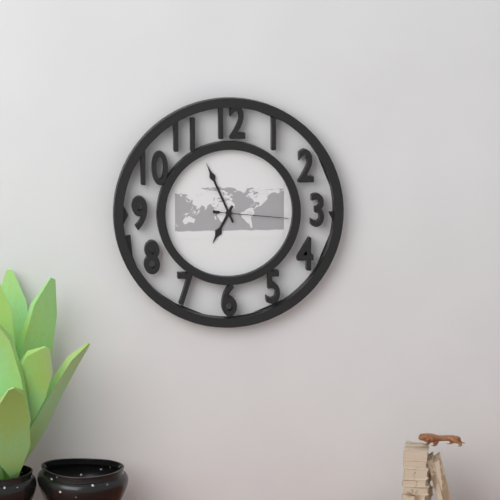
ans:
**6:56:16**
